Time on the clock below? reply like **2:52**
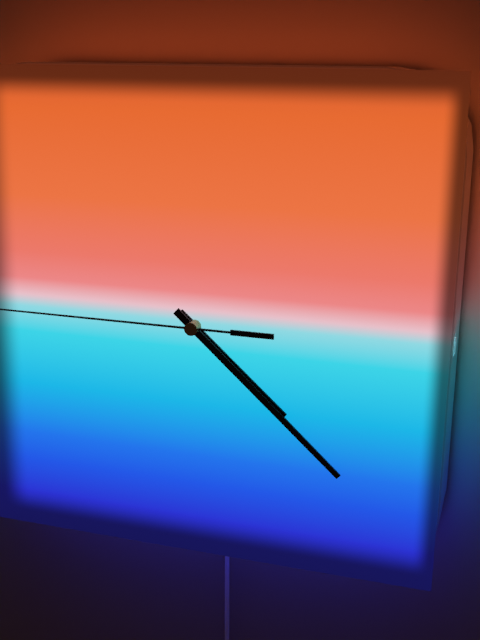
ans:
**4:22**
